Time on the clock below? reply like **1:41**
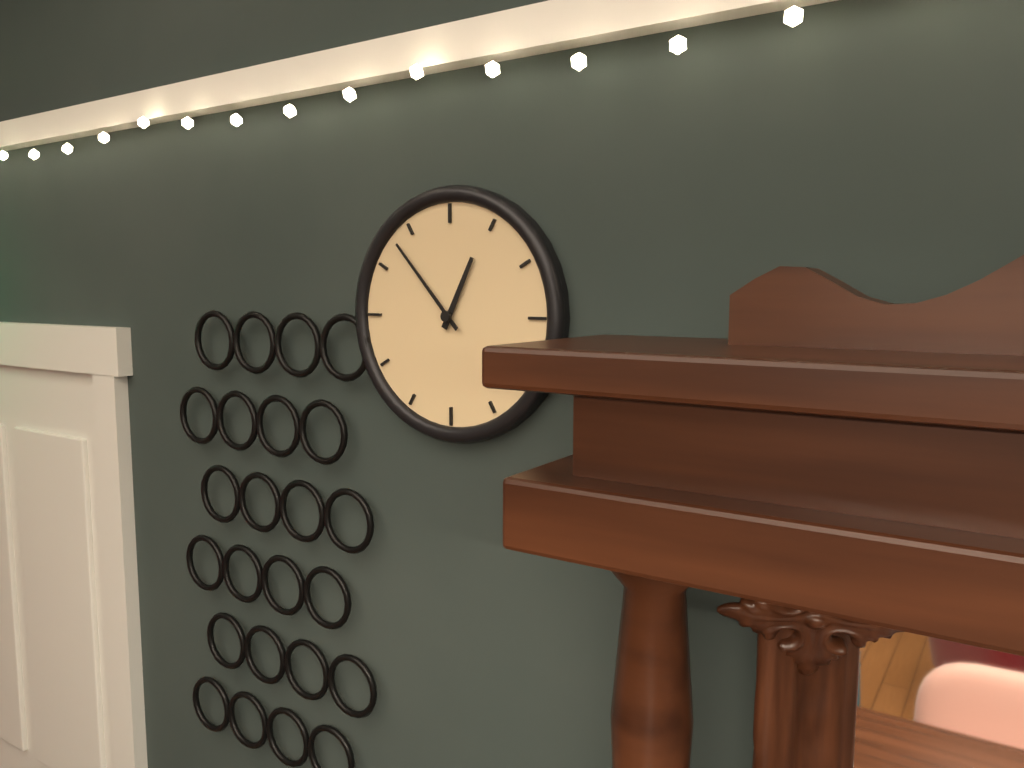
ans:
**12:53**
